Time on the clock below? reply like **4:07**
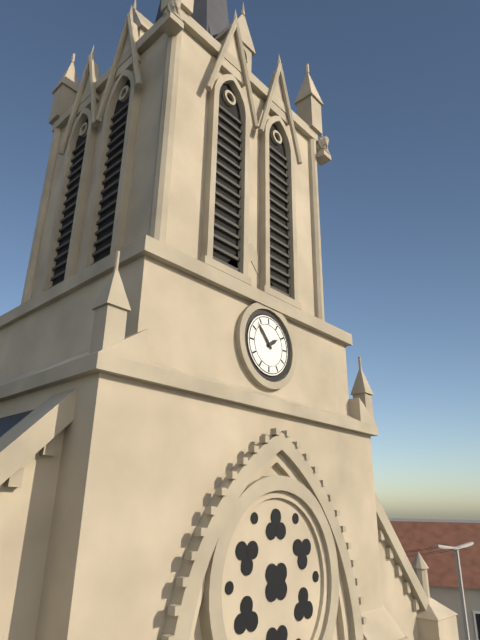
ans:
**1:53**
